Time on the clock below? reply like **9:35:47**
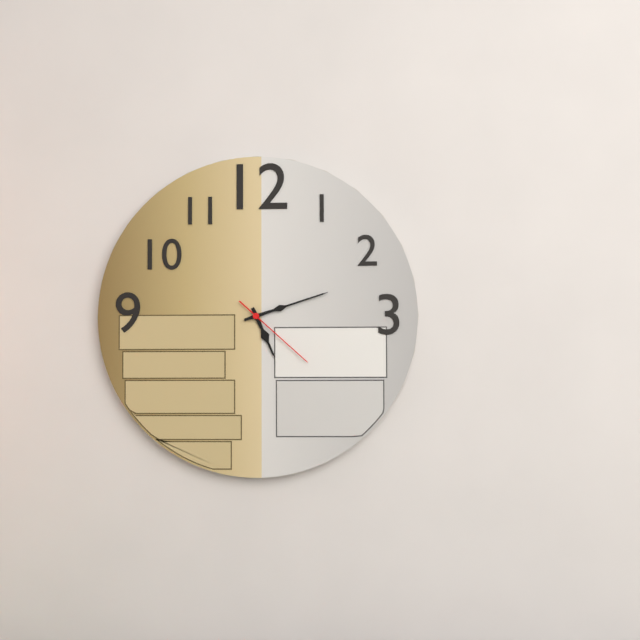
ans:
**5:12:22**
